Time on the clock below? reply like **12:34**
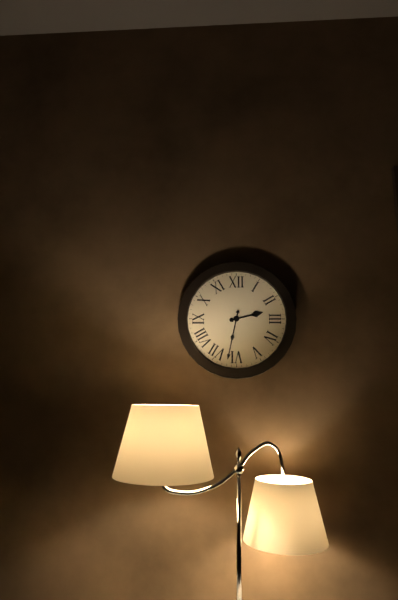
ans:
**2:32**
